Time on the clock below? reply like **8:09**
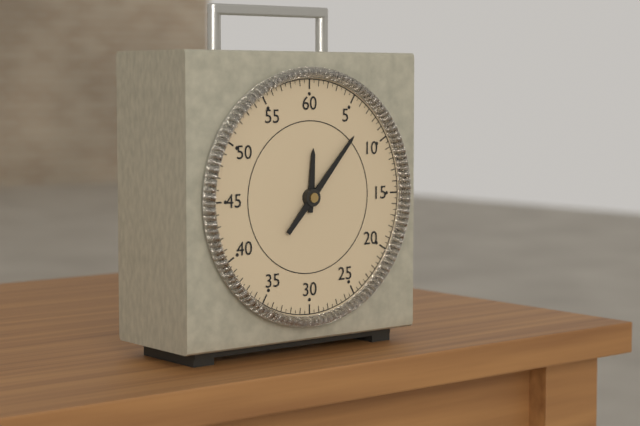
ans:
**12:07**
